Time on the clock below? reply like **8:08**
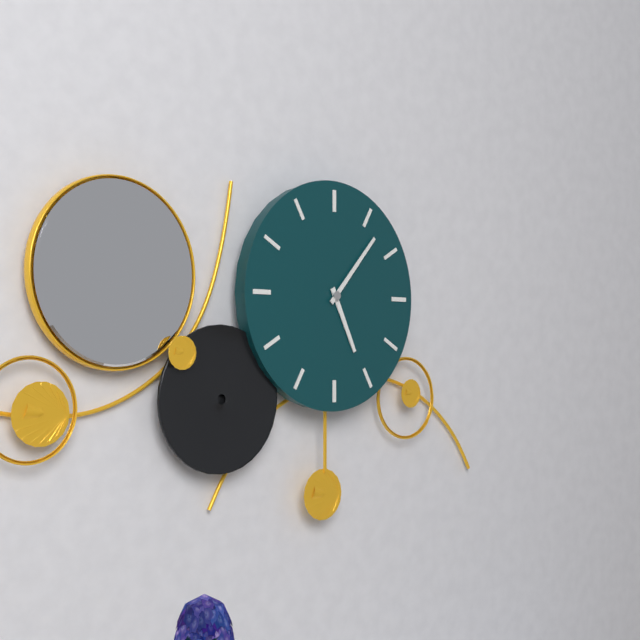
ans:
**5:07**
